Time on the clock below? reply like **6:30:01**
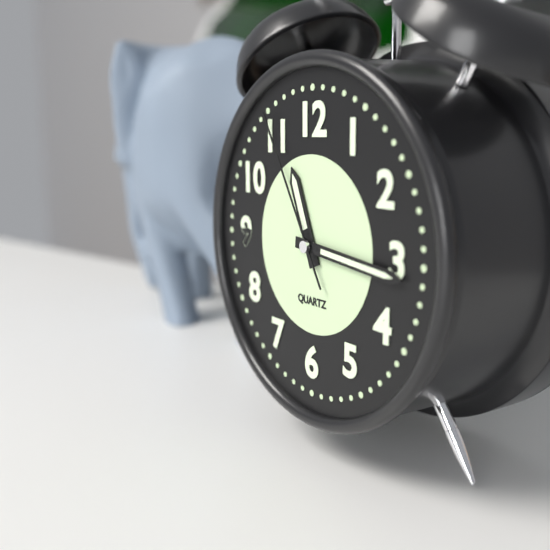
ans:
**11:16:55**
